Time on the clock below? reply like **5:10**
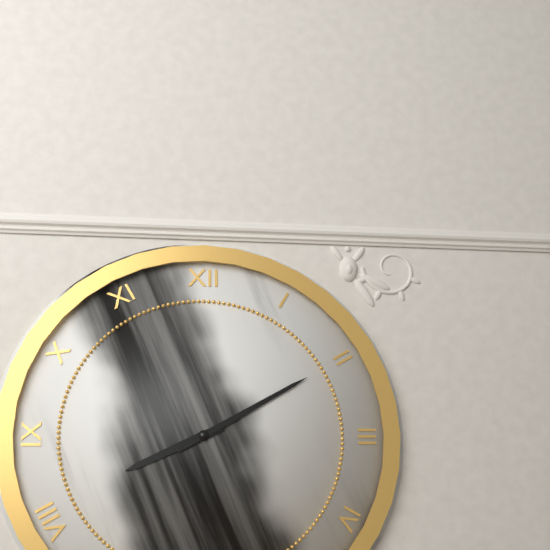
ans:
**8:10**
